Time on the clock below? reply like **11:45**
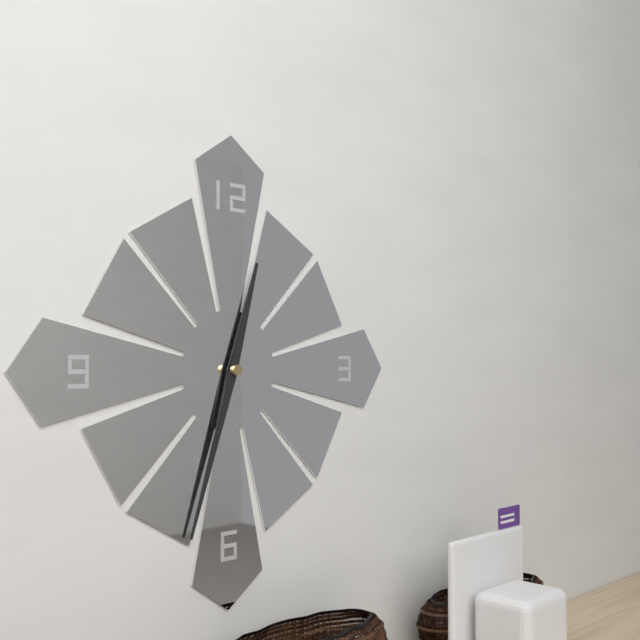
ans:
**12:33**
